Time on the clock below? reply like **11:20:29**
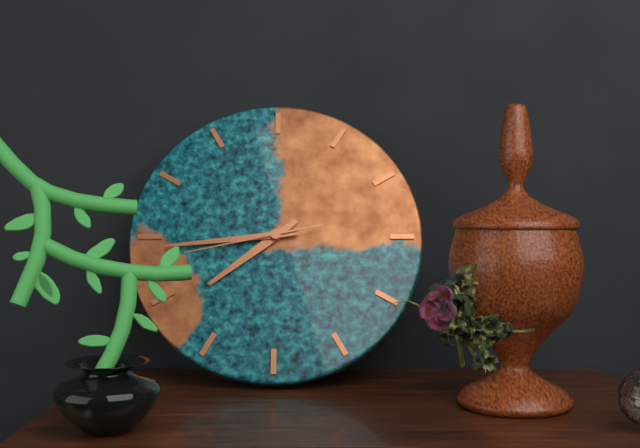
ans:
**7:44:43**
